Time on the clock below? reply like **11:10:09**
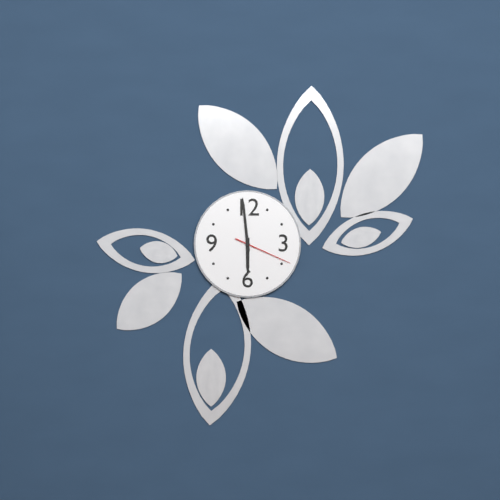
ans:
**5:59:19**
